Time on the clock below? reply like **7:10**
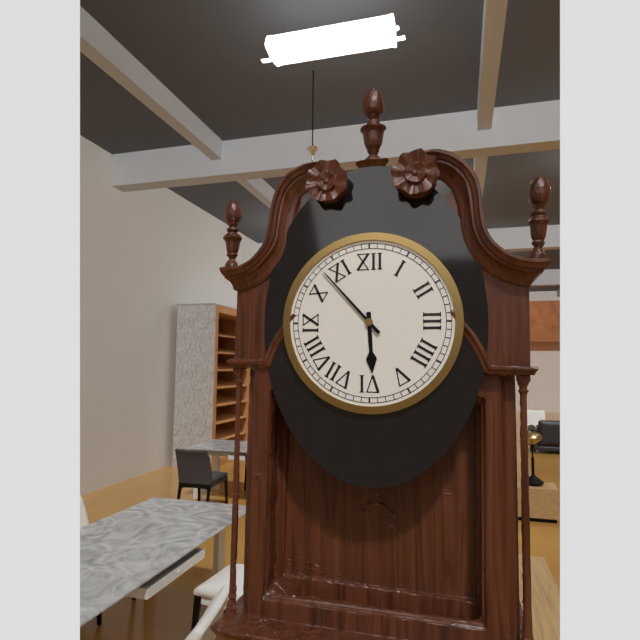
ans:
**5:53**
